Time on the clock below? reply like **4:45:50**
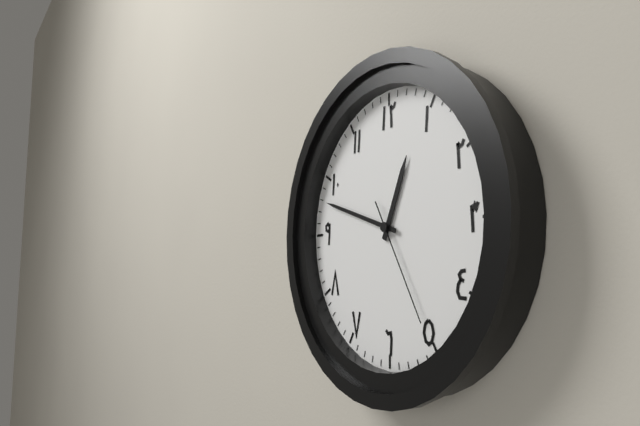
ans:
**12:48:25**
